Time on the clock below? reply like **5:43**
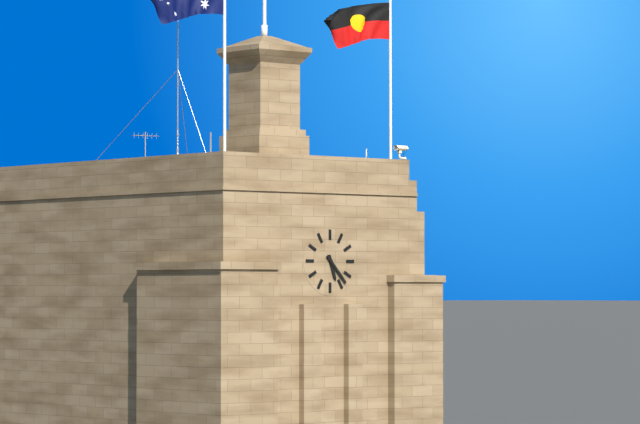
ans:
**5:23**
